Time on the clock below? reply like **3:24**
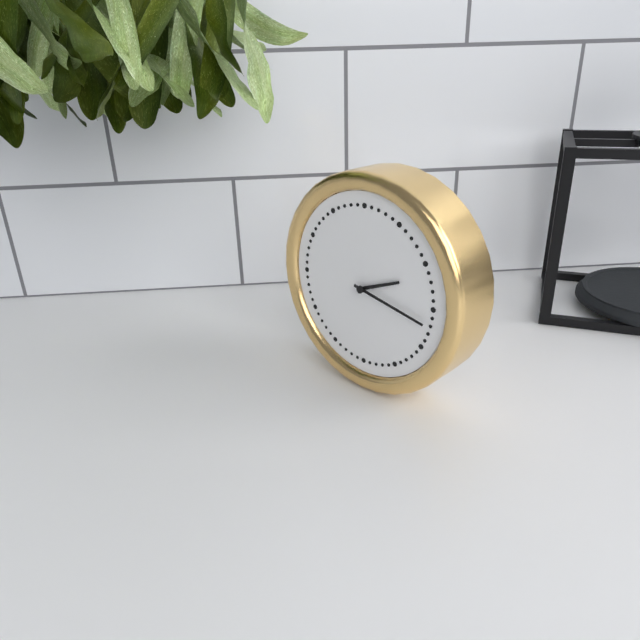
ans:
**2:17**
